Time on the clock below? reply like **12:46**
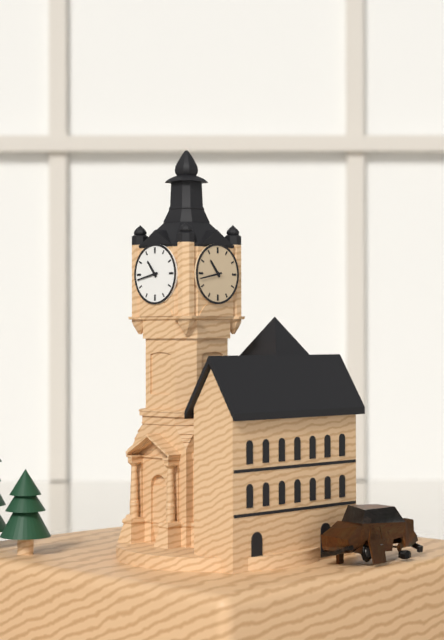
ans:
**10:43**
